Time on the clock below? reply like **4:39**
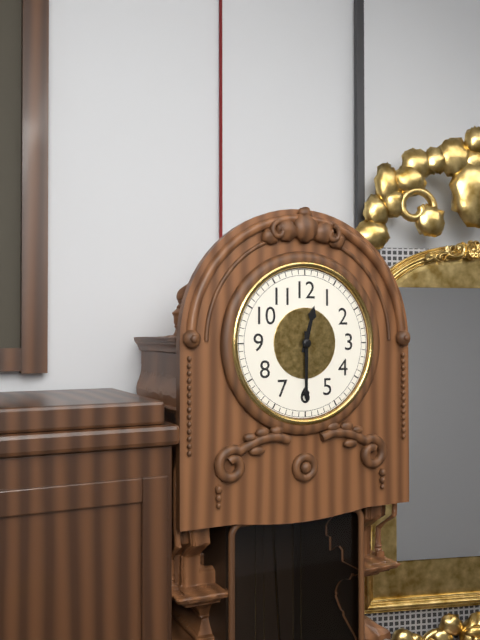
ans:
**12:30**
